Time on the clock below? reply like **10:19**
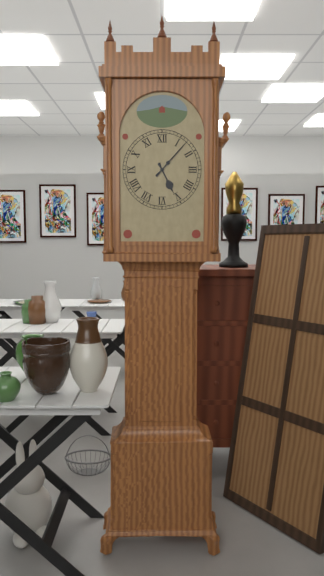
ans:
**5:07**
